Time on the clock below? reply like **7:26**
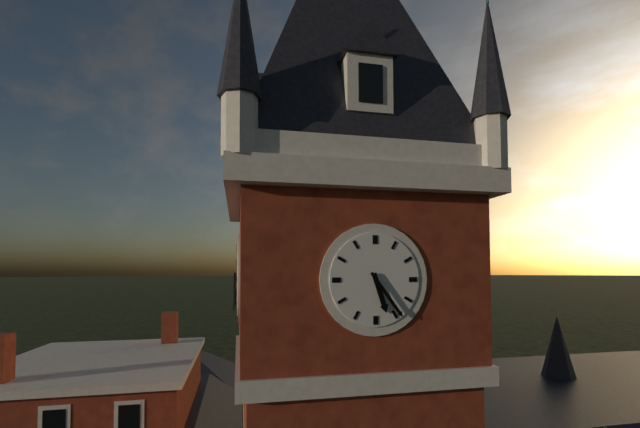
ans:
**5:24**
